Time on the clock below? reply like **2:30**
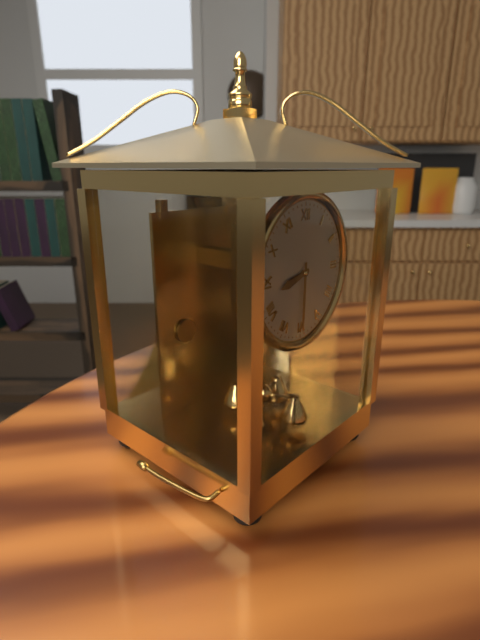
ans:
**8:30**
